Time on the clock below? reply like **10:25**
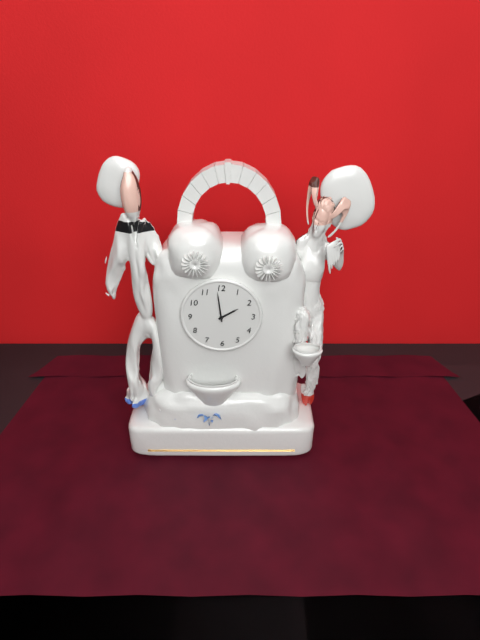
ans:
**1:59**
